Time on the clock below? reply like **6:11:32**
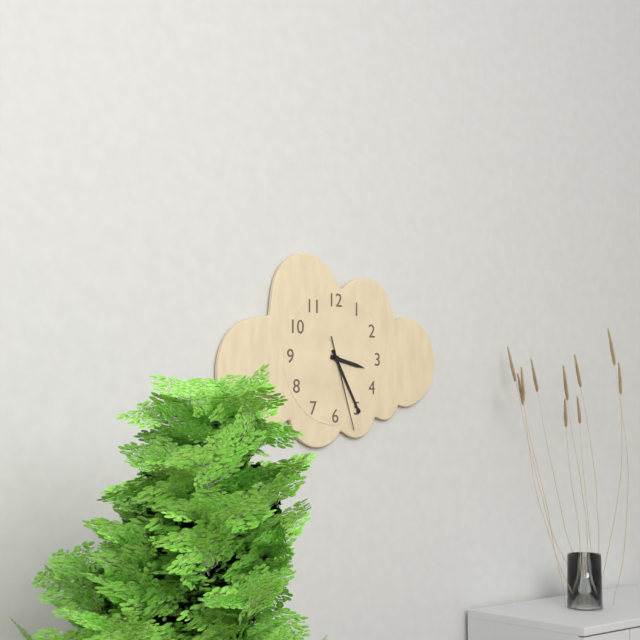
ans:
**3:25:27**
